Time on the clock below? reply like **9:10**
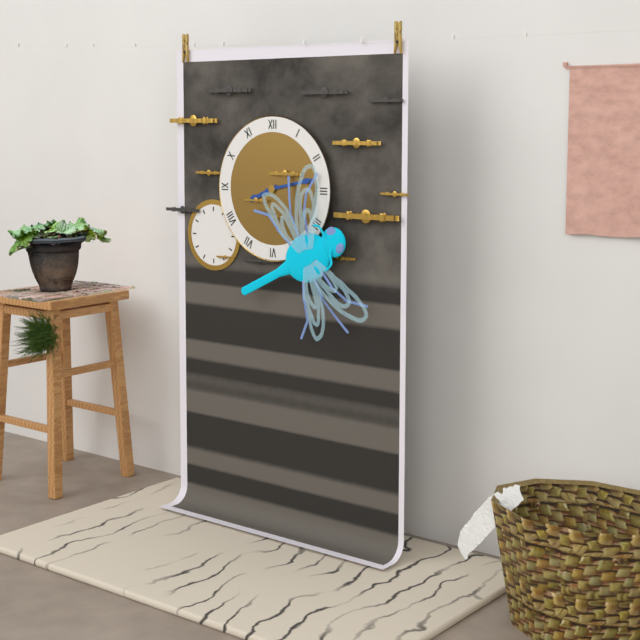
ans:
**8:13**
